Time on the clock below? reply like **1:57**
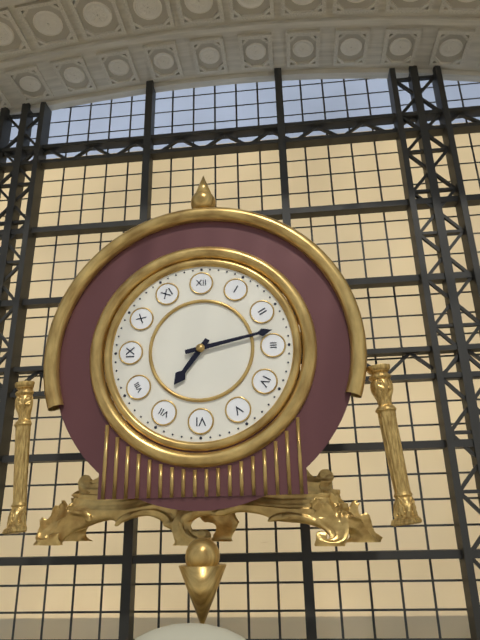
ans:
**7:13**
